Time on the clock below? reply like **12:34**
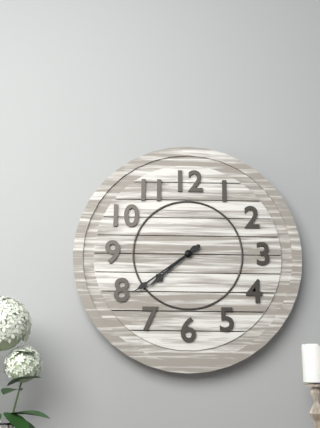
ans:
**7:39**
